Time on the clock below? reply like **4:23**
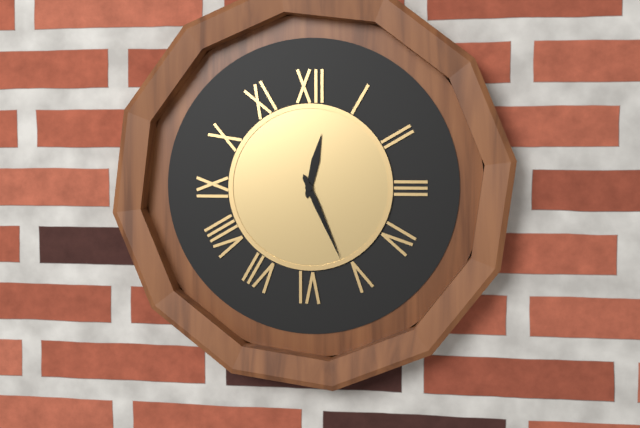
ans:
**12:26**
